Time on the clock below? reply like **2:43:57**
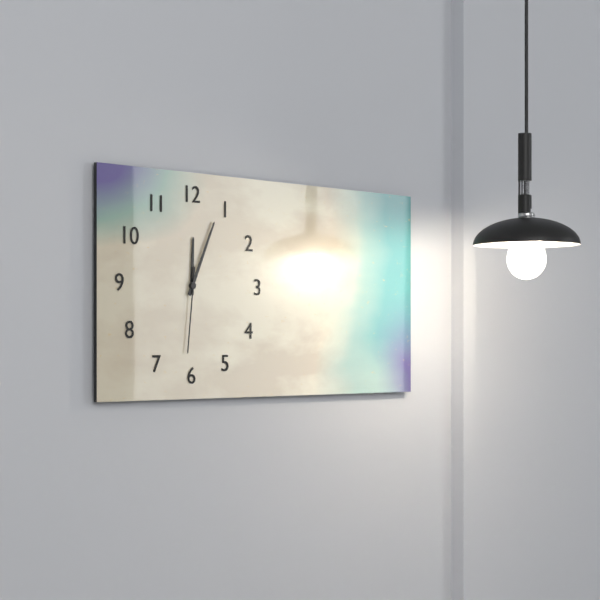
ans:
**12:04:31**
